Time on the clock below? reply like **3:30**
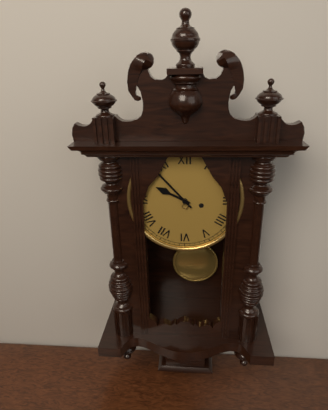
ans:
**9:53**
